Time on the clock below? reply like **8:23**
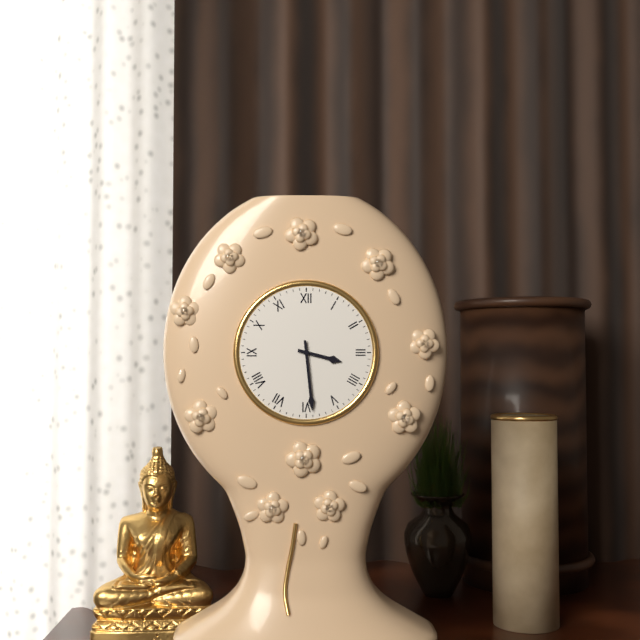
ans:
**3:29**
